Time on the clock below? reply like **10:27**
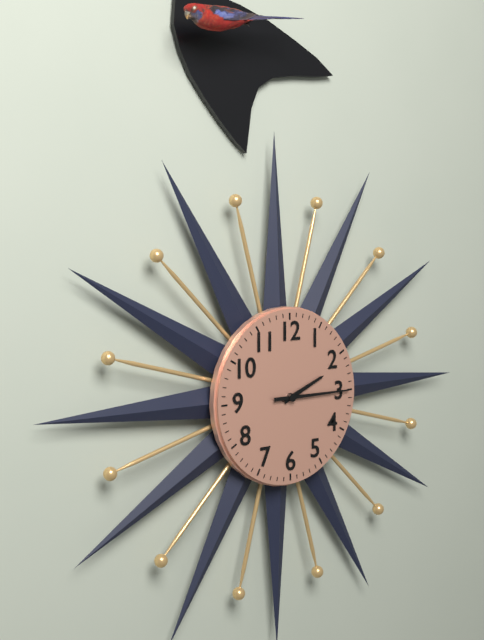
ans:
**2:15**
